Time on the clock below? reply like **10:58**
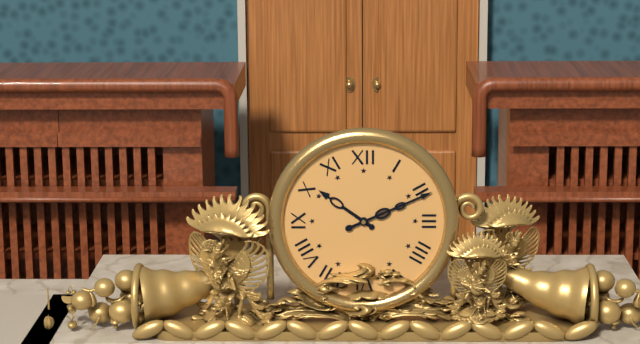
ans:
**10:11**
